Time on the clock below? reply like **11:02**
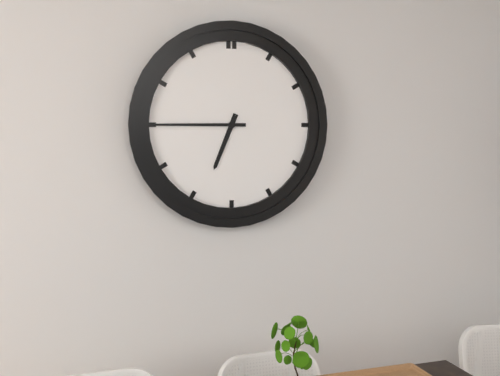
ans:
**6:45**
